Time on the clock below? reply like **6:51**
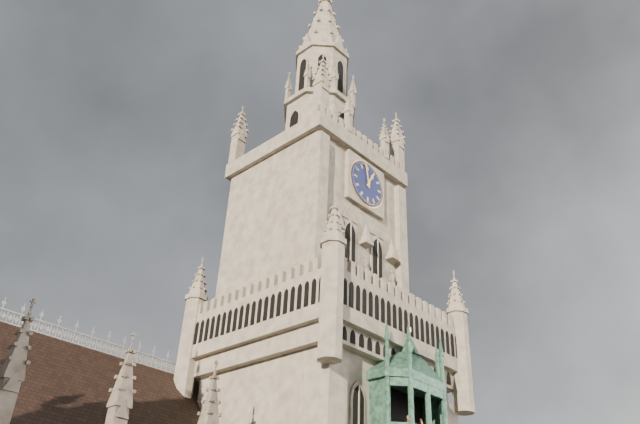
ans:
**12:58**
